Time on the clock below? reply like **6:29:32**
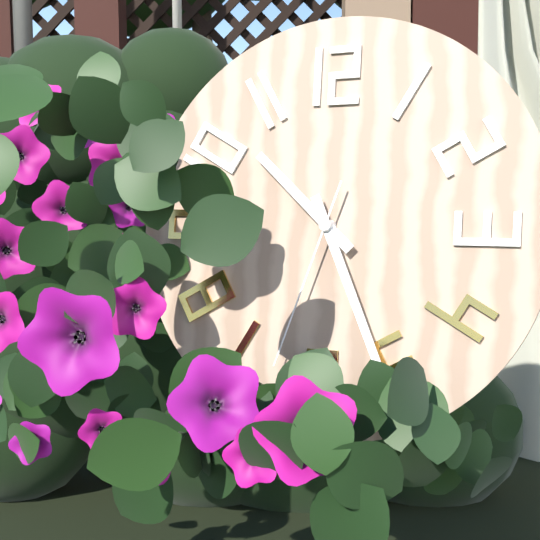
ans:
**10:26:33**
